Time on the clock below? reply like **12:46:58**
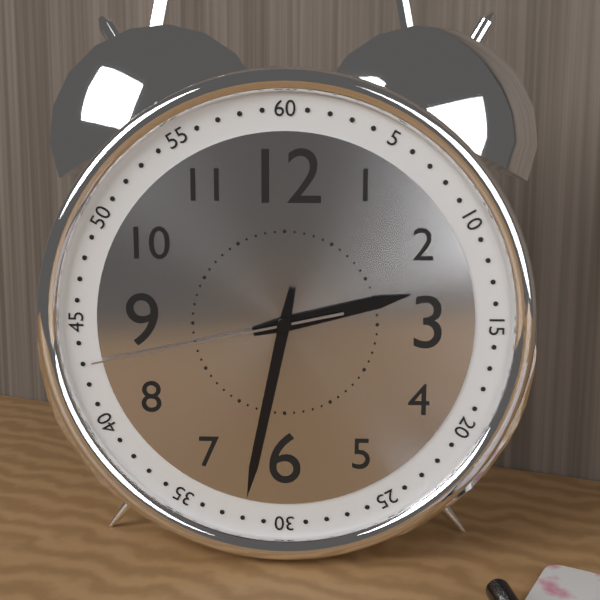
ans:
**2:32:43**
